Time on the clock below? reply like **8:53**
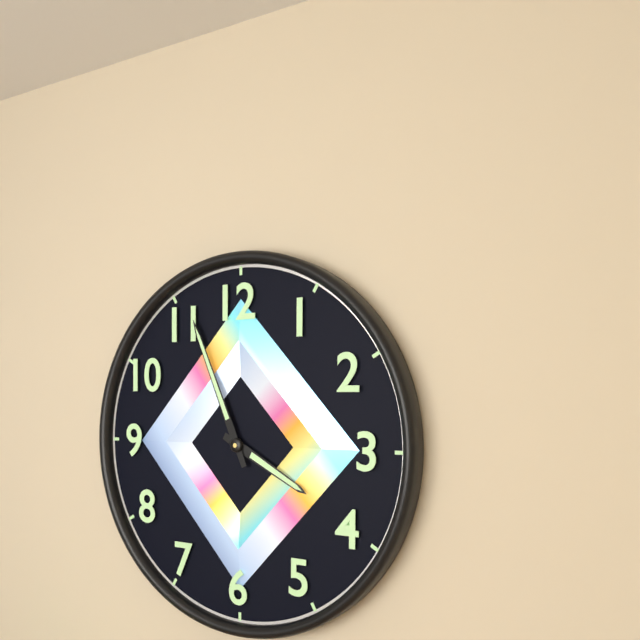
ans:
**3:56**
